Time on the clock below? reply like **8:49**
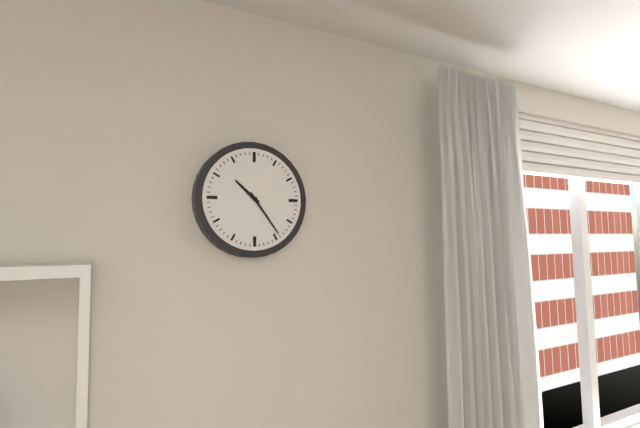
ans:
**10:24**
